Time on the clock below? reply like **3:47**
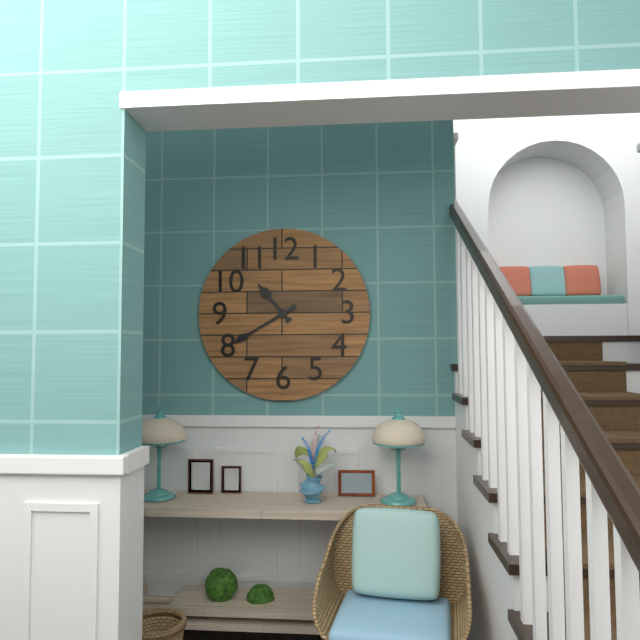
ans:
**10:40**
